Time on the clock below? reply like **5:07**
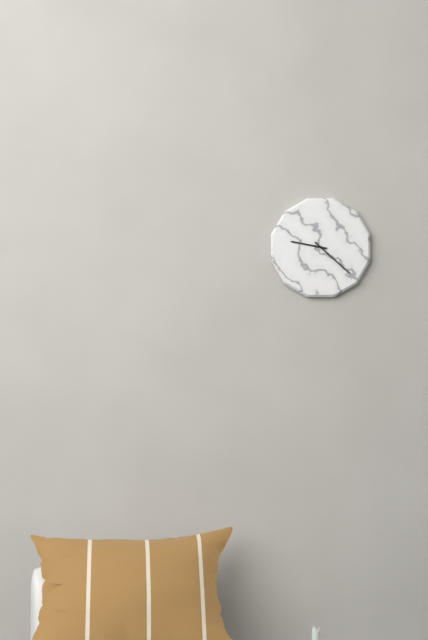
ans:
**9:22**
